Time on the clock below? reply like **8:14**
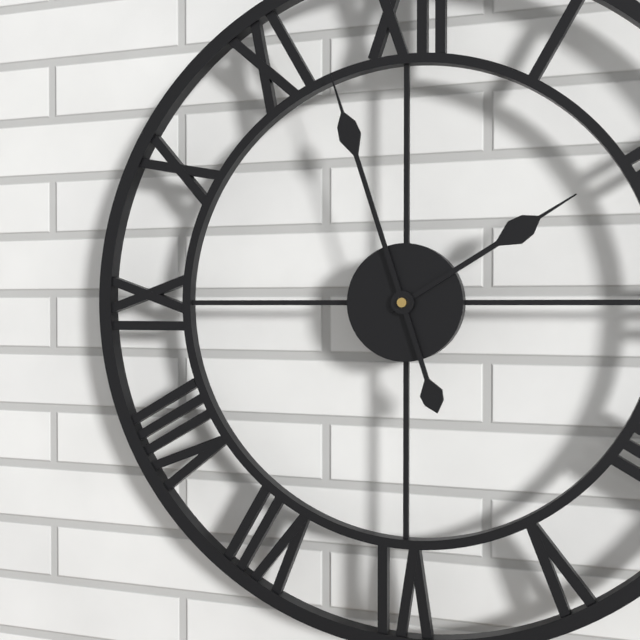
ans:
**1:57**
